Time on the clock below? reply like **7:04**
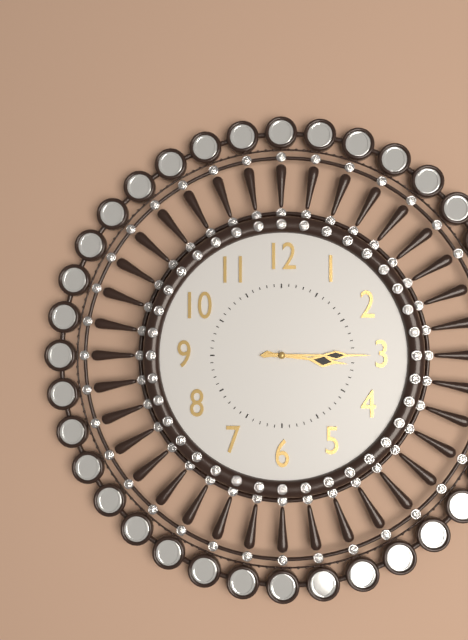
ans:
**3:15**
